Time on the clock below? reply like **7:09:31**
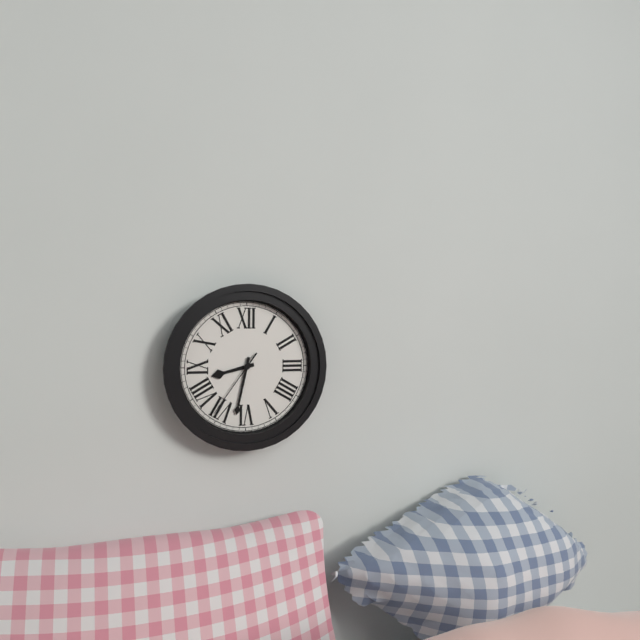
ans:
**8:32:36**
